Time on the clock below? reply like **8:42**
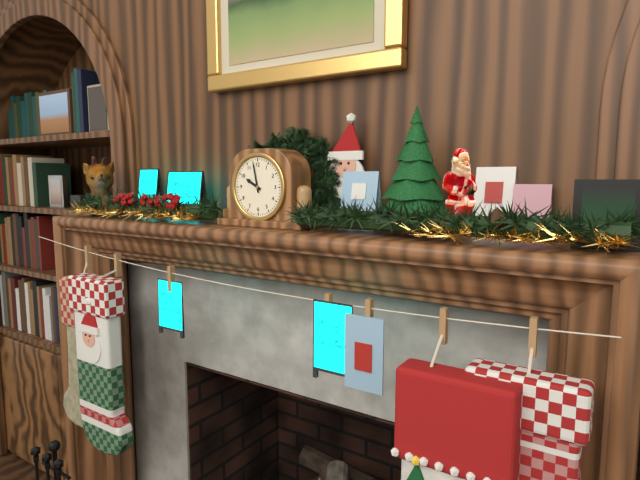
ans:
**9:58**
